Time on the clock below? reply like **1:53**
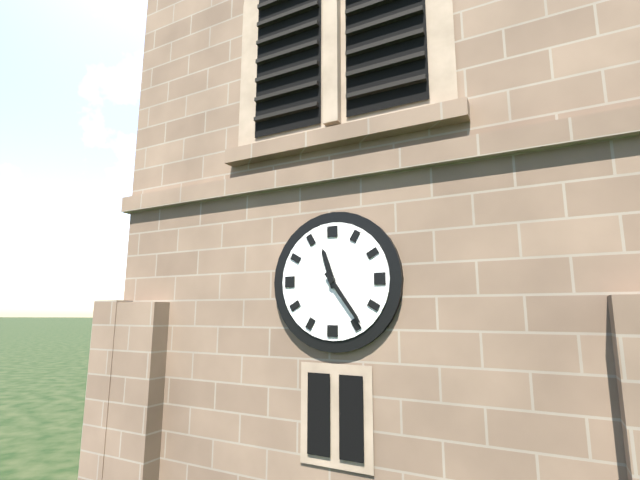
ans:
**11:24**
